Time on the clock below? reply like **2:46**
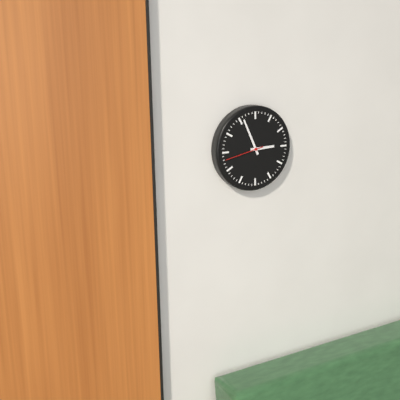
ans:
**2:56**
